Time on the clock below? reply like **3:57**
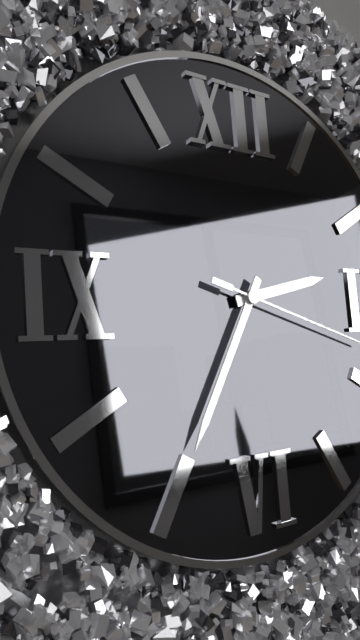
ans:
**2:35**
